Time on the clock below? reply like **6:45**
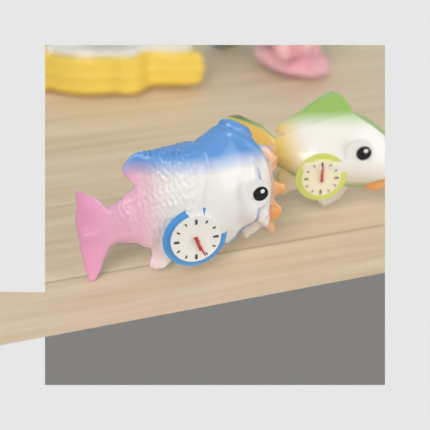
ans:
**5:26**
